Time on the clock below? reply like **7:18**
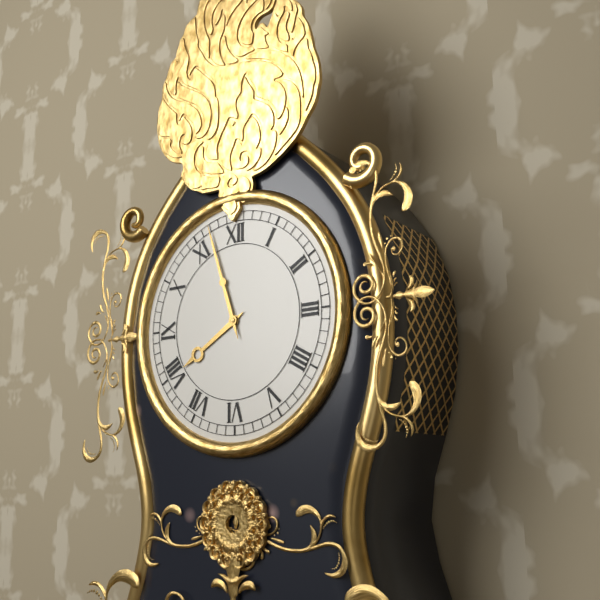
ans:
**7:57**
